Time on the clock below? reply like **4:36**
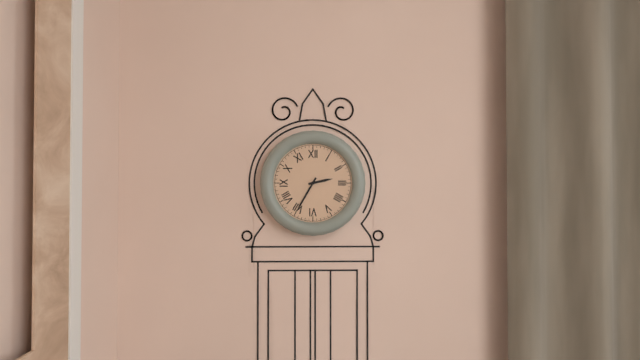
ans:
**2:35**
